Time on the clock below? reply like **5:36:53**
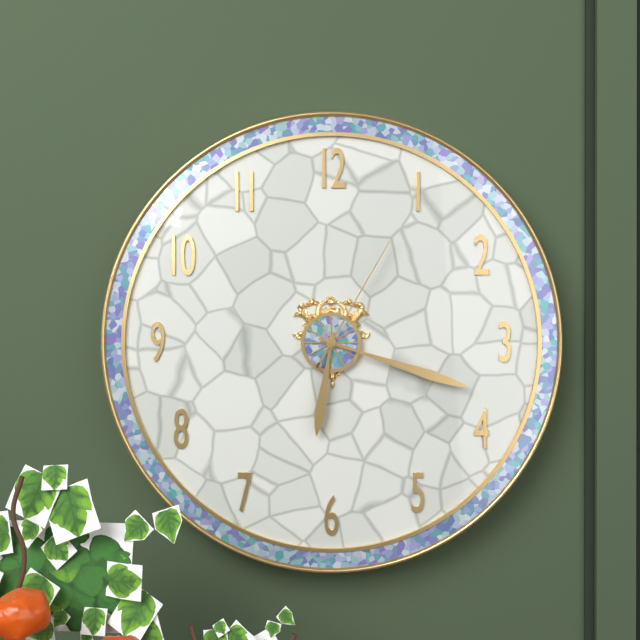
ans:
**6:18:05**
